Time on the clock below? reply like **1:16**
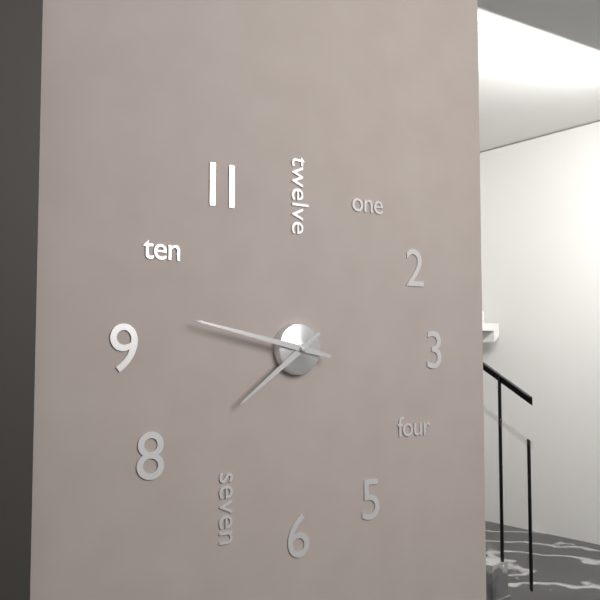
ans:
**7:47**
